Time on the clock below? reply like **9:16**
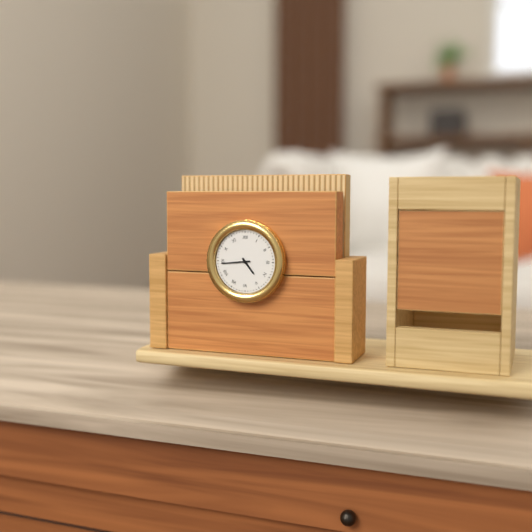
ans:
**4:44**
